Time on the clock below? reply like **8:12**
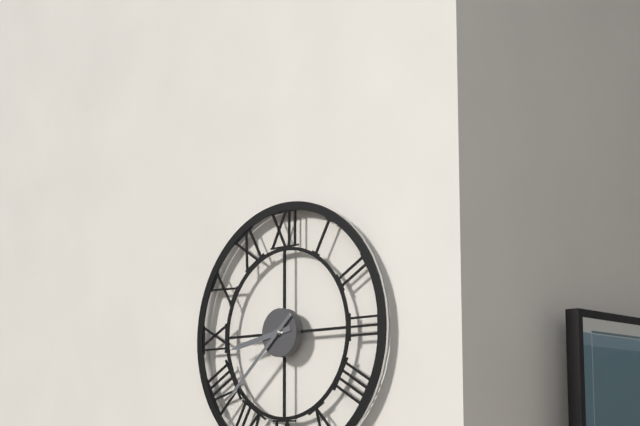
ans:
**8:38**
